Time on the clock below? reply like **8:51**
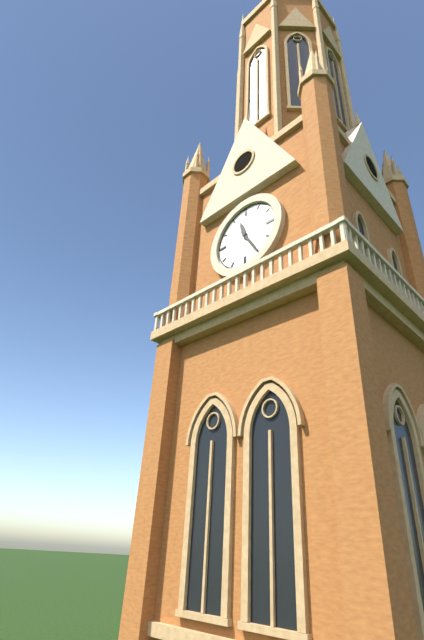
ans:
**11:25**
